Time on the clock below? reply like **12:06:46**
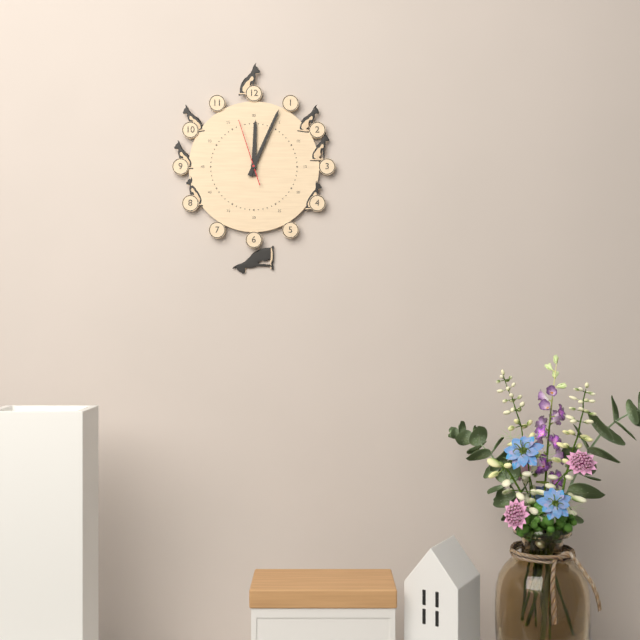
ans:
**12:04:57**
